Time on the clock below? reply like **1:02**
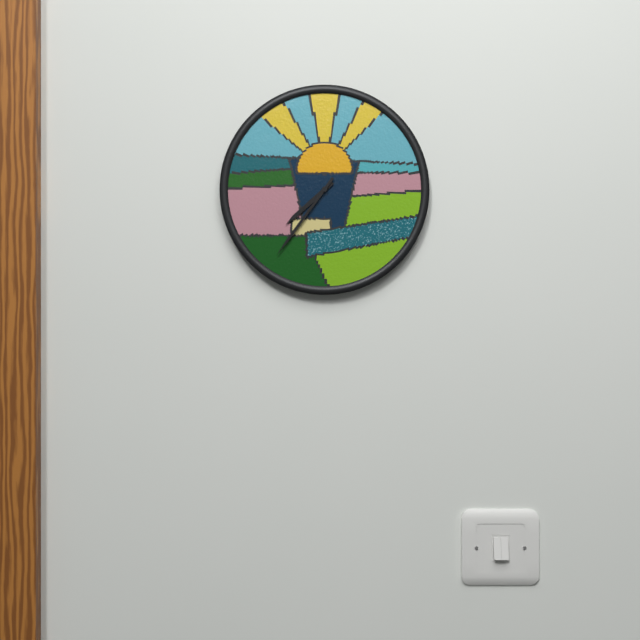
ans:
**7:36**
